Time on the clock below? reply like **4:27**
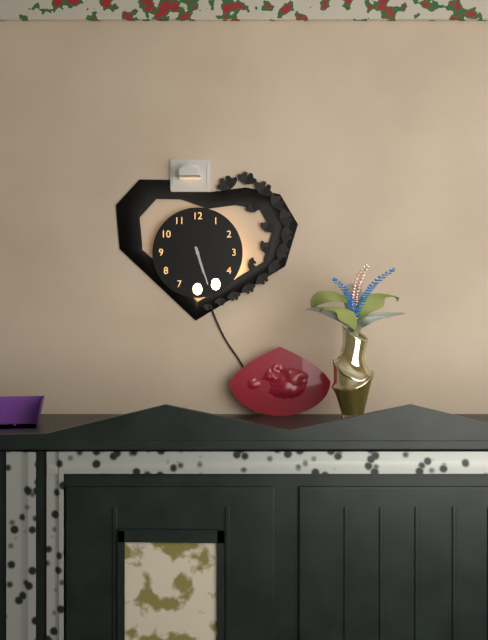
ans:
**5:27**
